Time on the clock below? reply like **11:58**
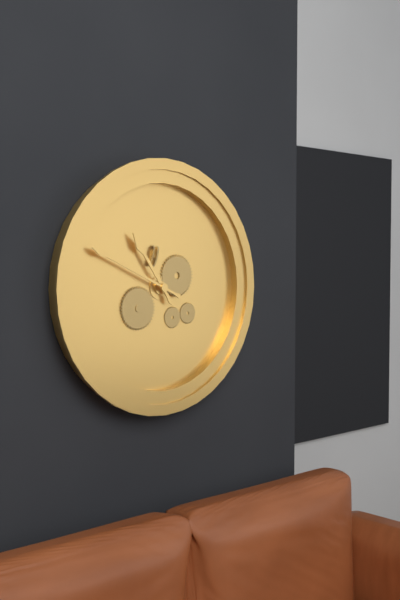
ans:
**10:49**
